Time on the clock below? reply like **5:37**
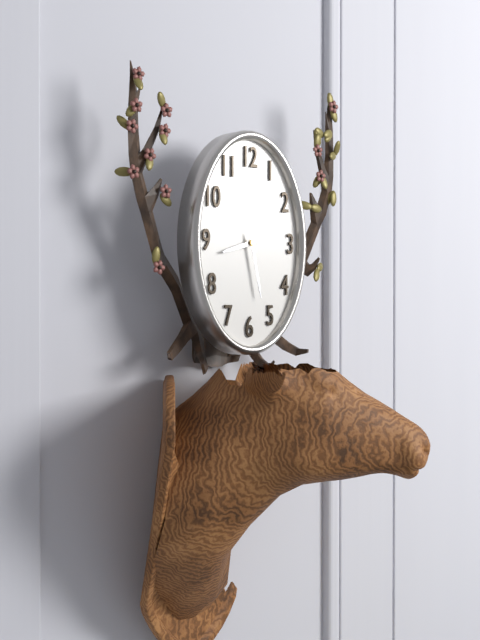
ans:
**8:28**
